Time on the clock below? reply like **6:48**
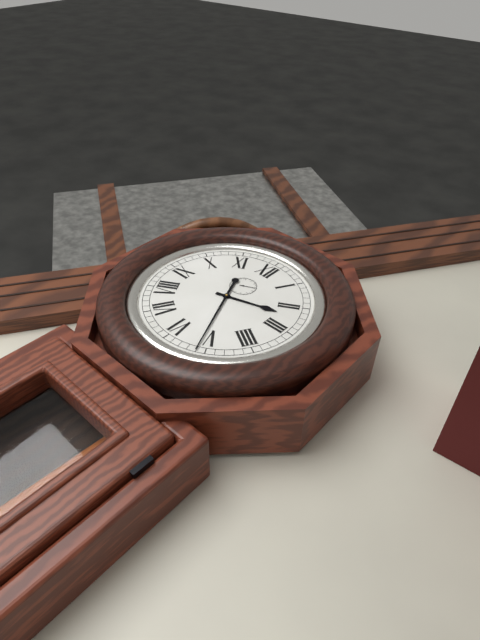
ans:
**2:26**
